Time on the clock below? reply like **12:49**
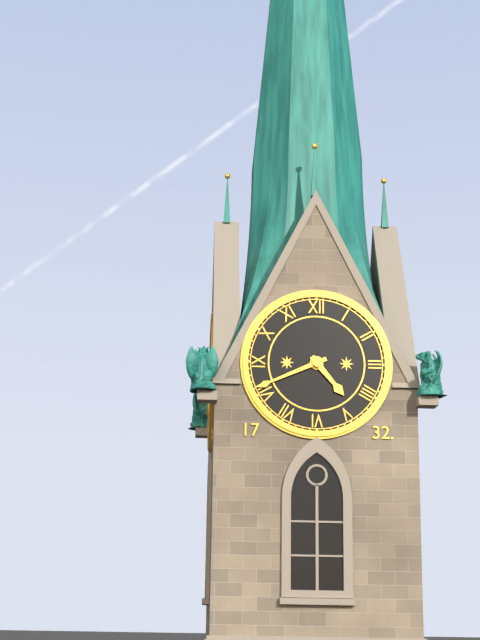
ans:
**4:41**
